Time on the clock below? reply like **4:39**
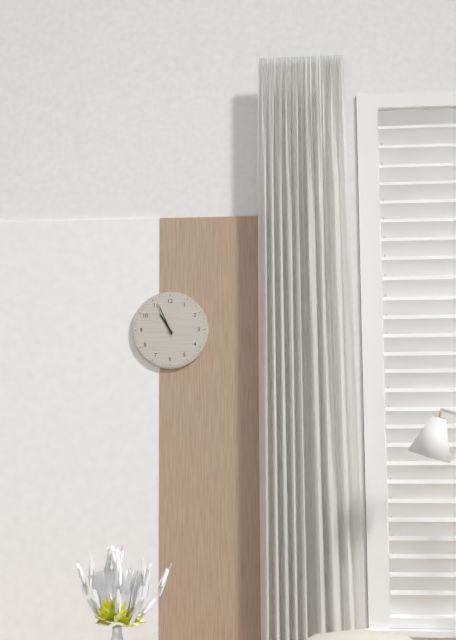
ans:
**10:56**
